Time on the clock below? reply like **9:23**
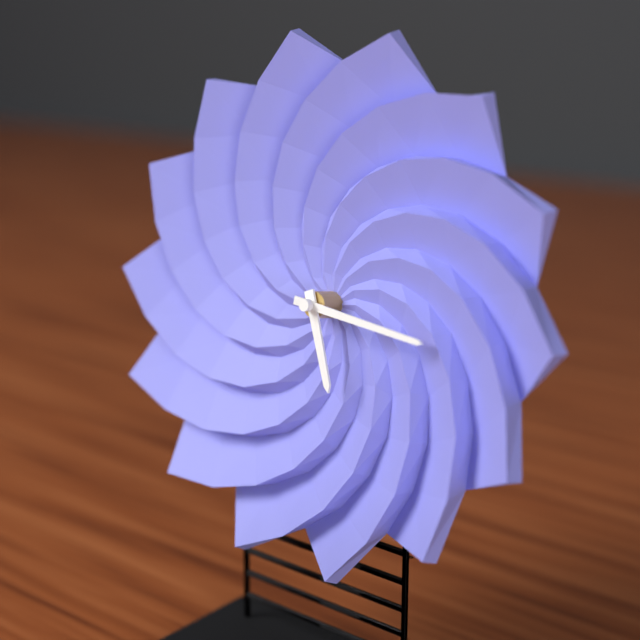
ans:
**5:16**
